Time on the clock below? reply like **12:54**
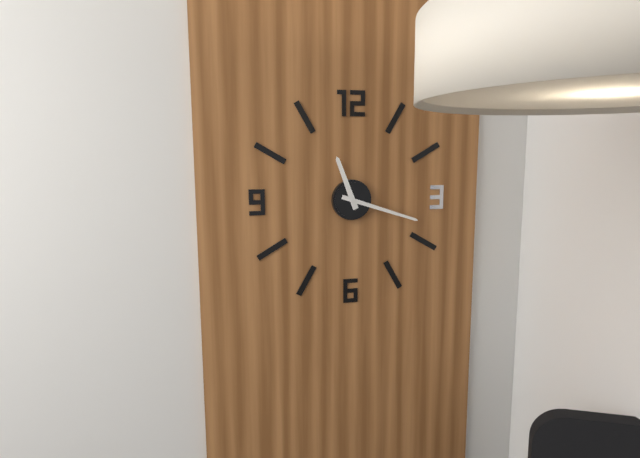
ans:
**11:18**
